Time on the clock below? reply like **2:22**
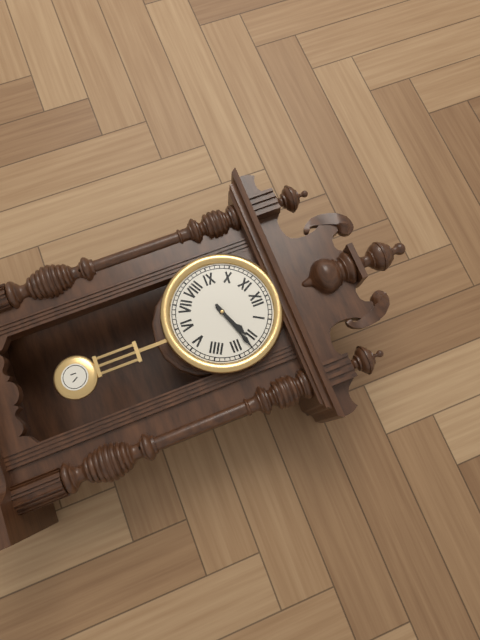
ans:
**2:12**
